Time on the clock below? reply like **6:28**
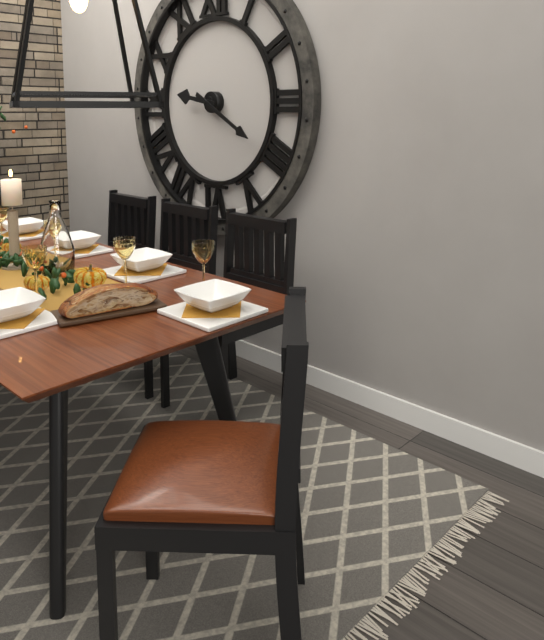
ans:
**9:20**
